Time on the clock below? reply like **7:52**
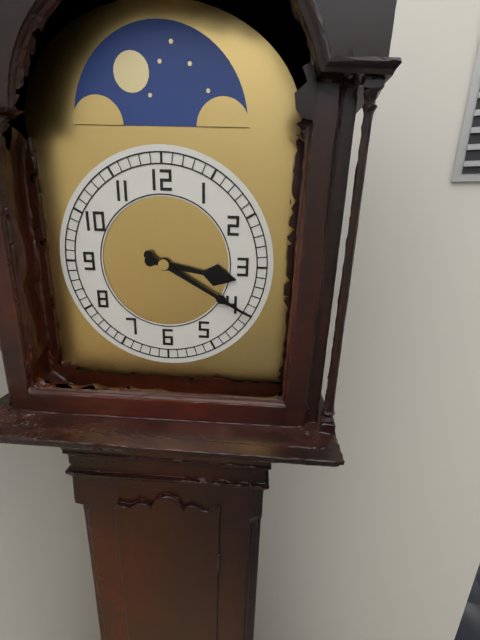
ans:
**3:20**
